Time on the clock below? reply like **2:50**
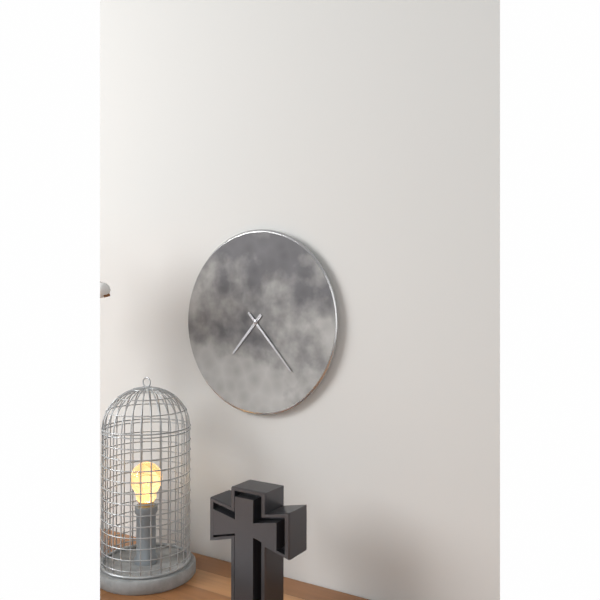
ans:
**7:23**
